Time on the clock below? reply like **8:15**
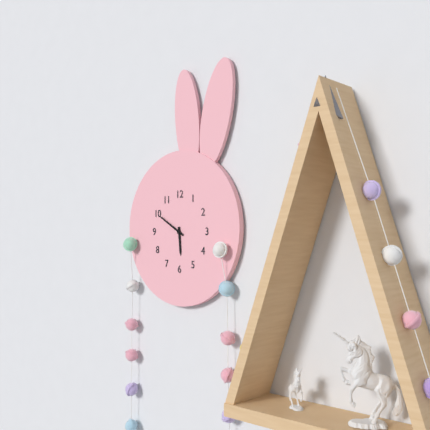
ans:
**5:50**
